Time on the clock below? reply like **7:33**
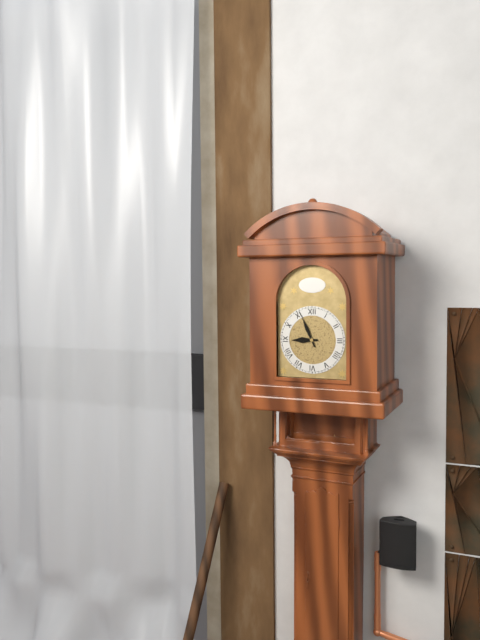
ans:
**8:56**
